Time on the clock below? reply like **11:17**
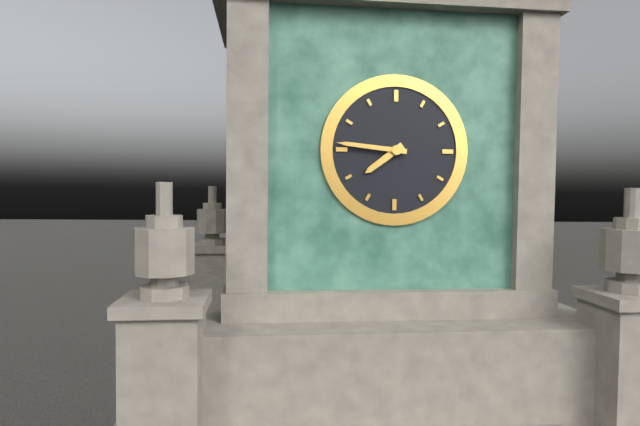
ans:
**7:46**
